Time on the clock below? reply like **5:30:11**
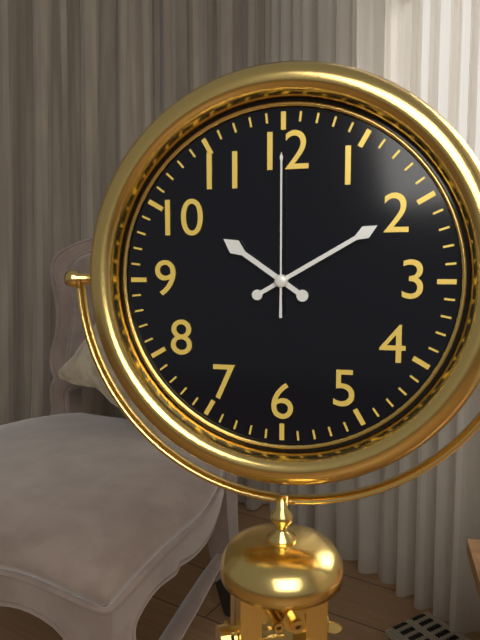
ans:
**10:10:00**
